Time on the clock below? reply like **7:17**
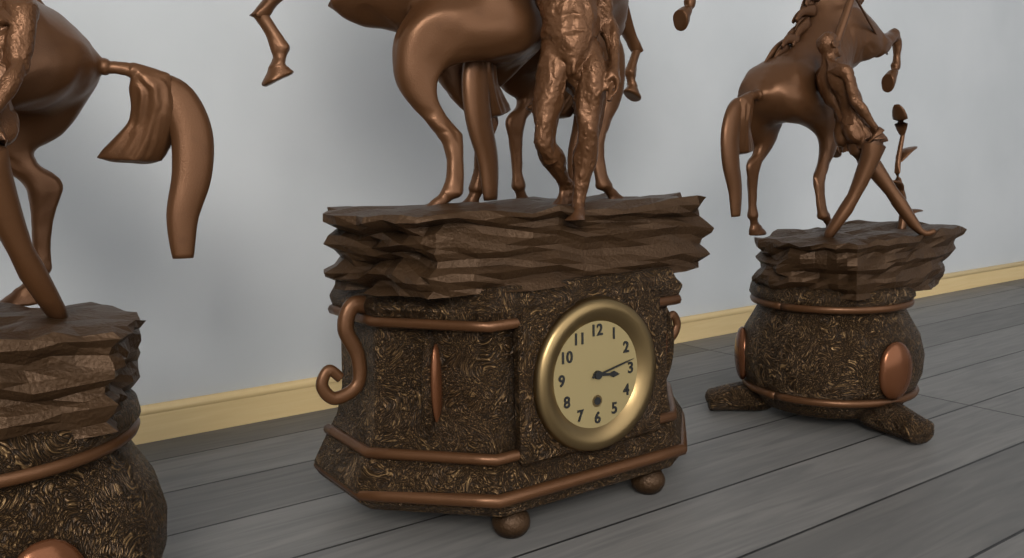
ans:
**3:13**
